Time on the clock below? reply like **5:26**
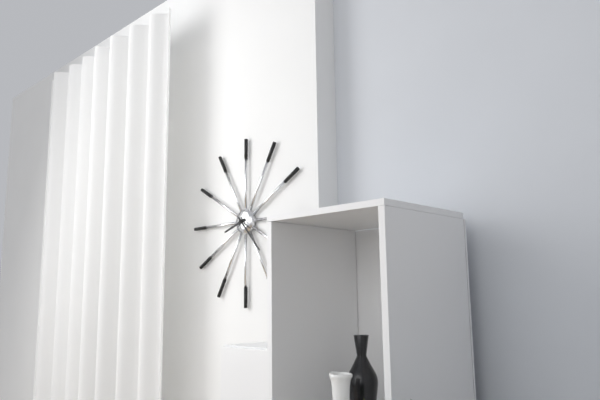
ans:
**8:23**
